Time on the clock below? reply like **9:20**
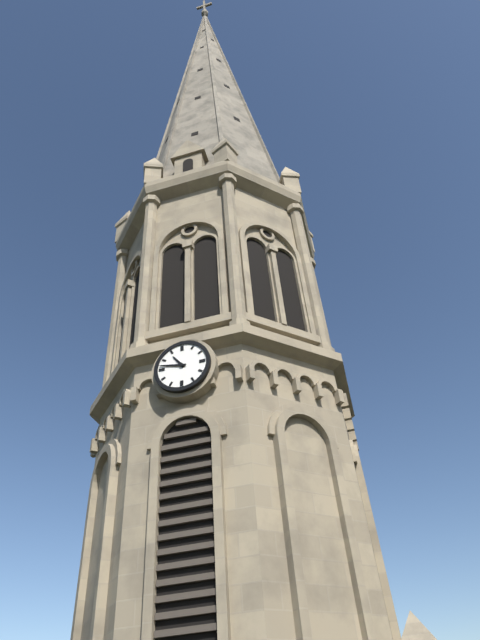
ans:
**10:47**
